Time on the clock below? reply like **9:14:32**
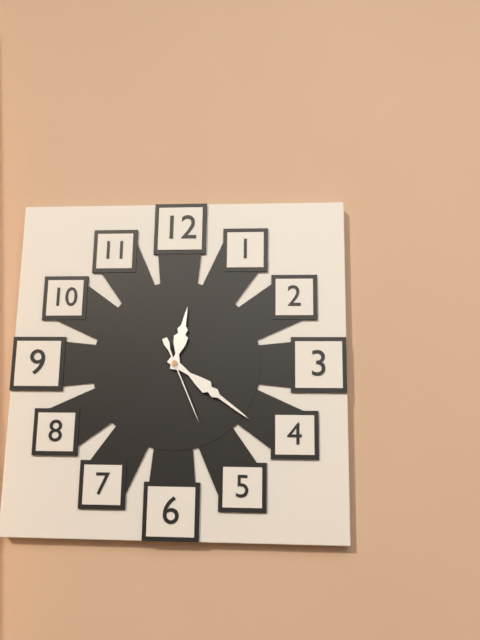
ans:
**12:21:26**
